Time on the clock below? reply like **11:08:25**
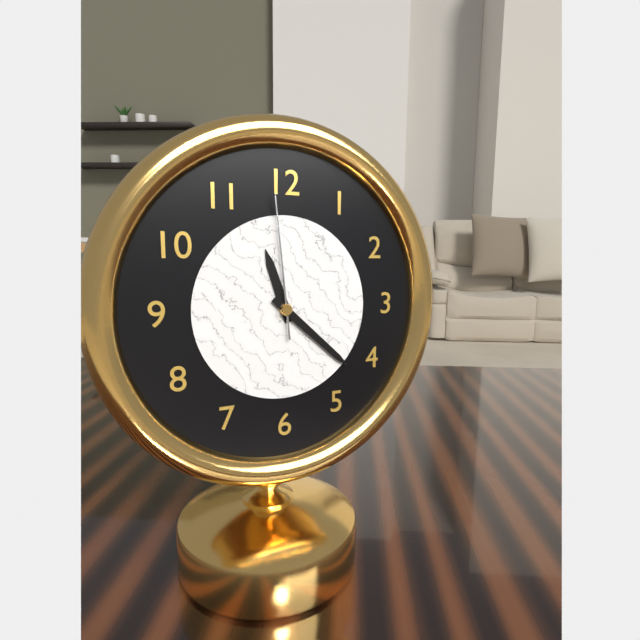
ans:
**11:22:59**
